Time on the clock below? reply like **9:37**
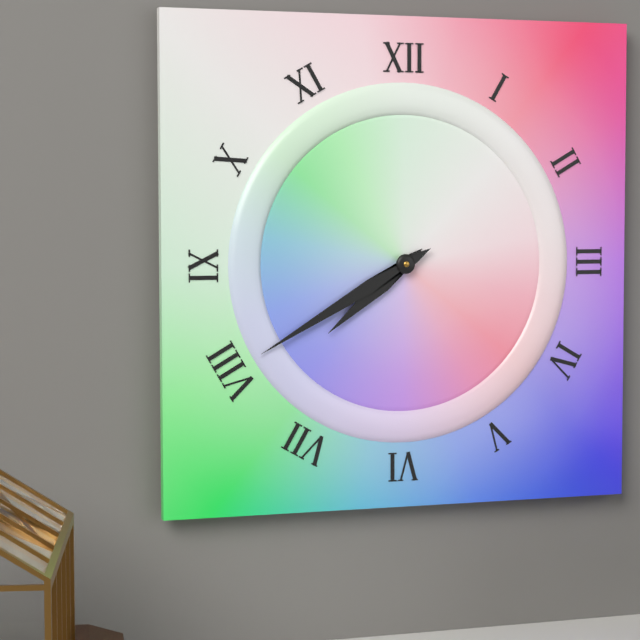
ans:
**7:40**
